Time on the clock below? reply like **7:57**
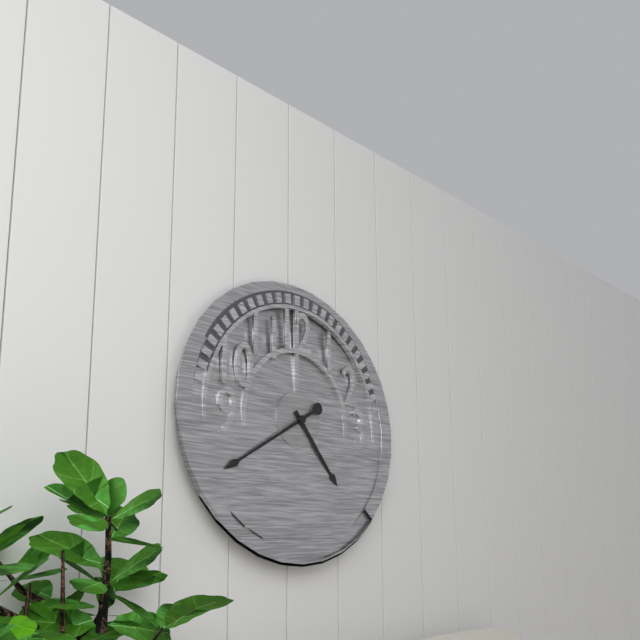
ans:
**4:40**
